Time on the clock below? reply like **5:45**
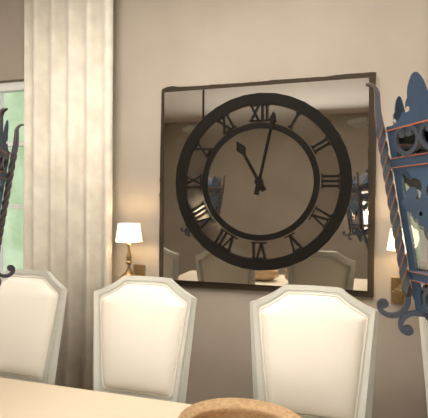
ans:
**11:02**
